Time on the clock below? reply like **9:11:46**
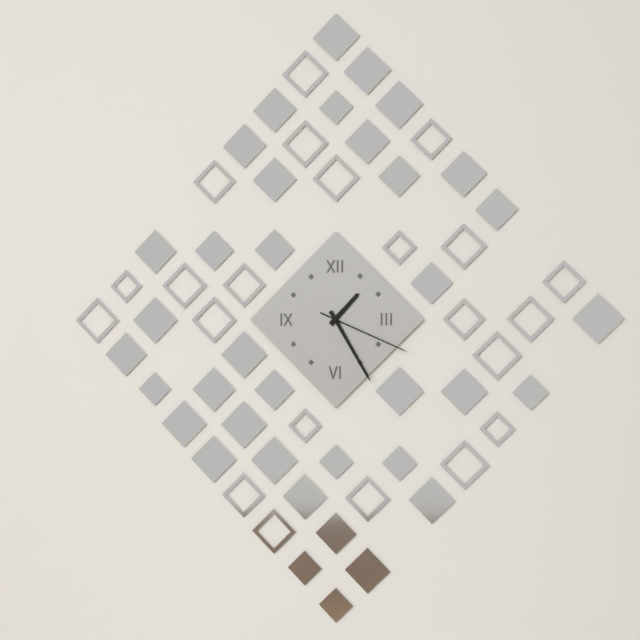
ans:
**1:25:19**
